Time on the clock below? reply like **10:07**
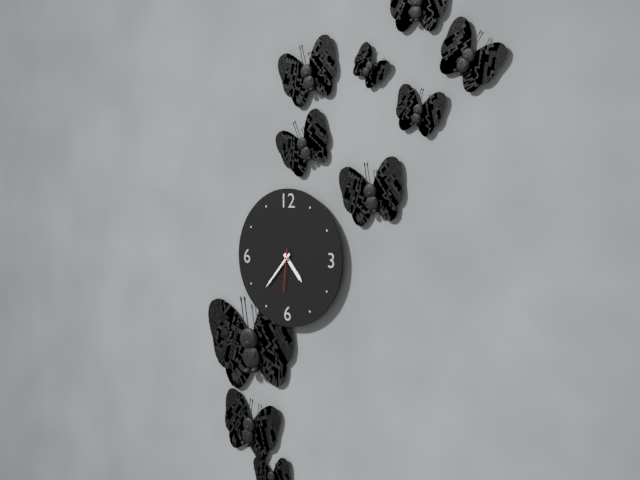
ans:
**4:37**
